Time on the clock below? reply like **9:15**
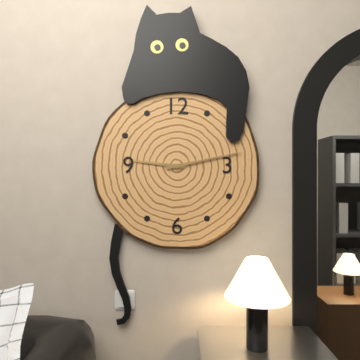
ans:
**9:13**
